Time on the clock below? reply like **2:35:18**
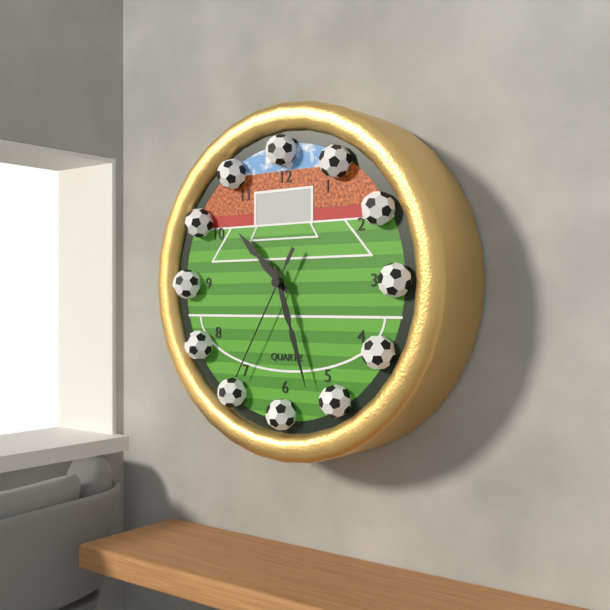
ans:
**10:27:35**
